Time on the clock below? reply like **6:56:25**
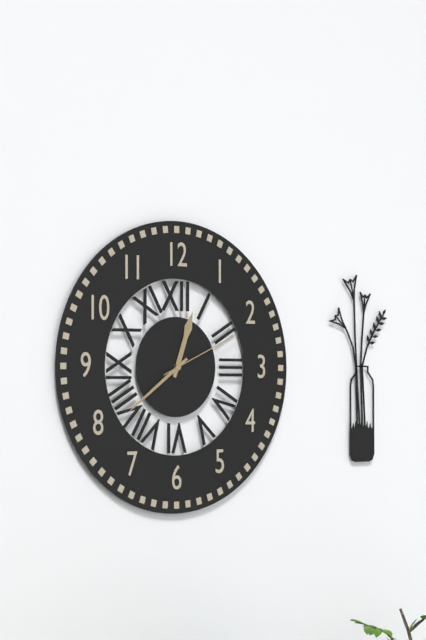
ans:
**12:39:11**
